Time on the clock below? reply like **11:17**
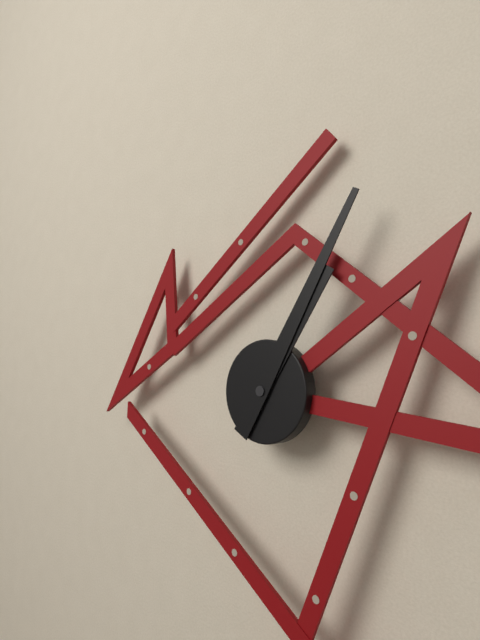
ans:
**1:05**
